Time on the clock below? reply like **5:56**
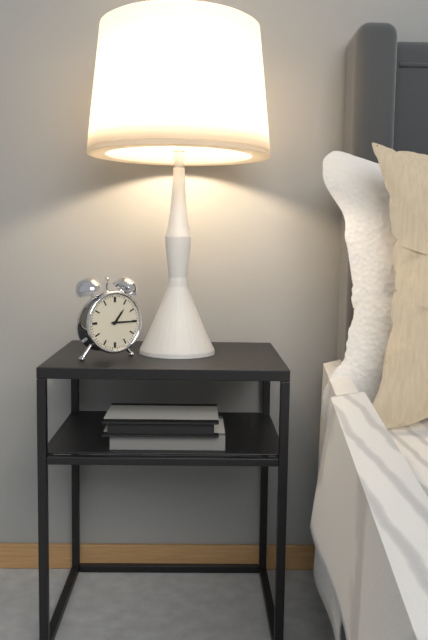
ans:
**1:15**
